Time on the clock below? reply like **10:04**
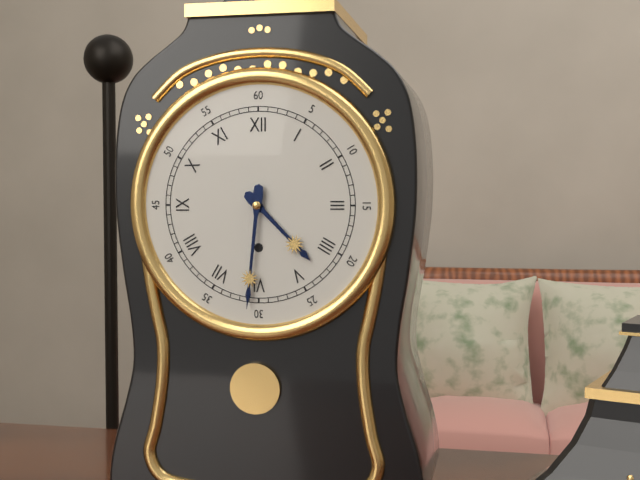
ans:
**4:31**
